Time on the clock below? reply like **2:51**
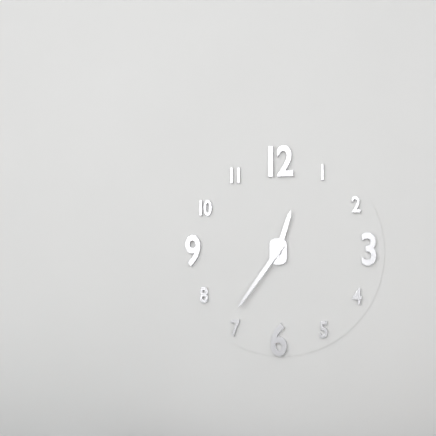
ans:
**12:36**
